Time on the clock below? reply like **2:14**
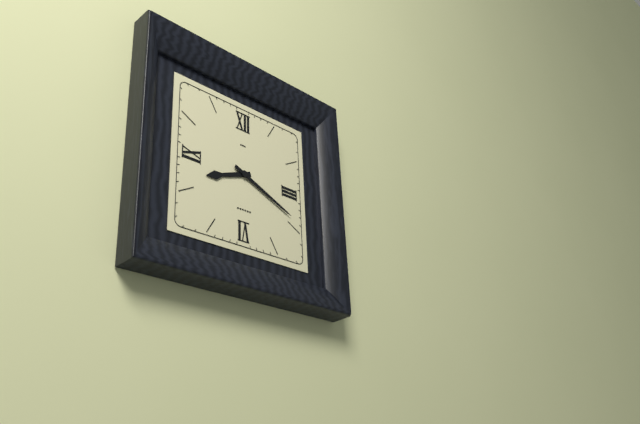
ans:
**8:19**
